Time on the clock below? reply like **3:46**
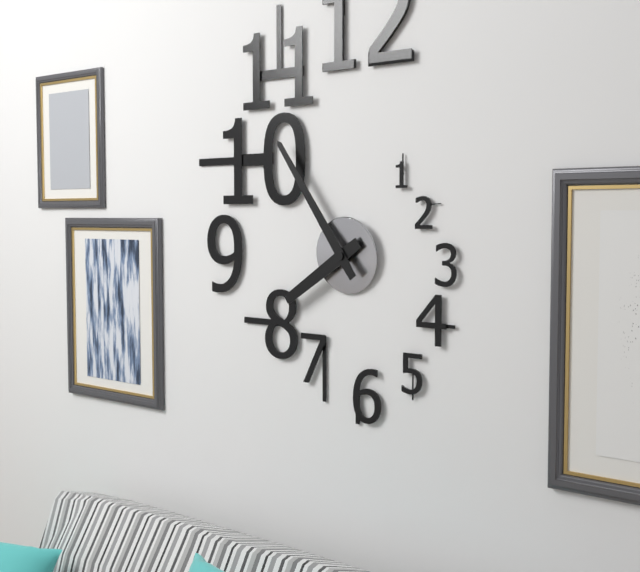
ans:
**7:54**
